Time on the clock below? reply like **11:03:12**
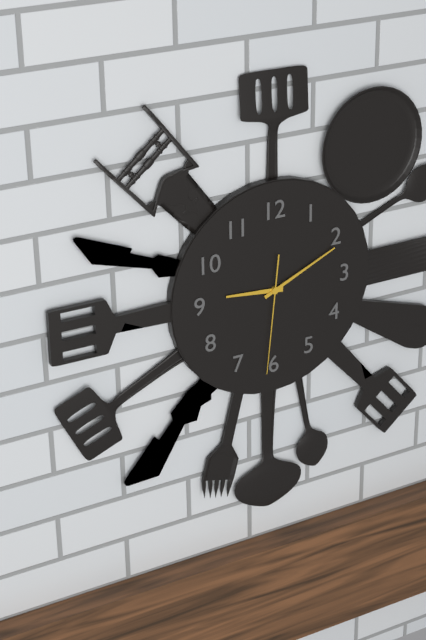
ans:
**9:11:31**
